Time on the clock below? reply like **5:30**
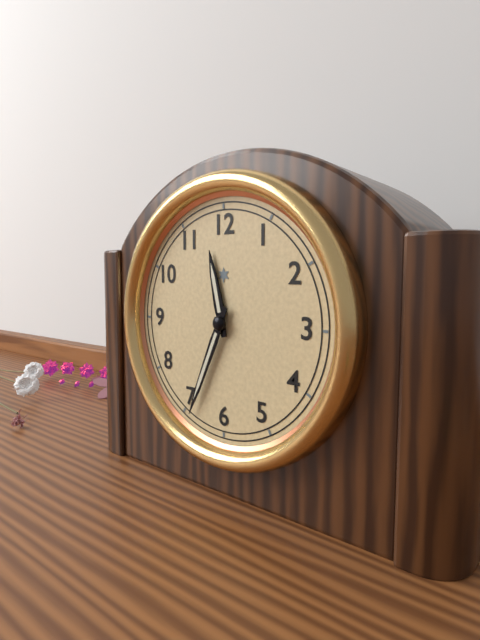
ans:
**11:34**
